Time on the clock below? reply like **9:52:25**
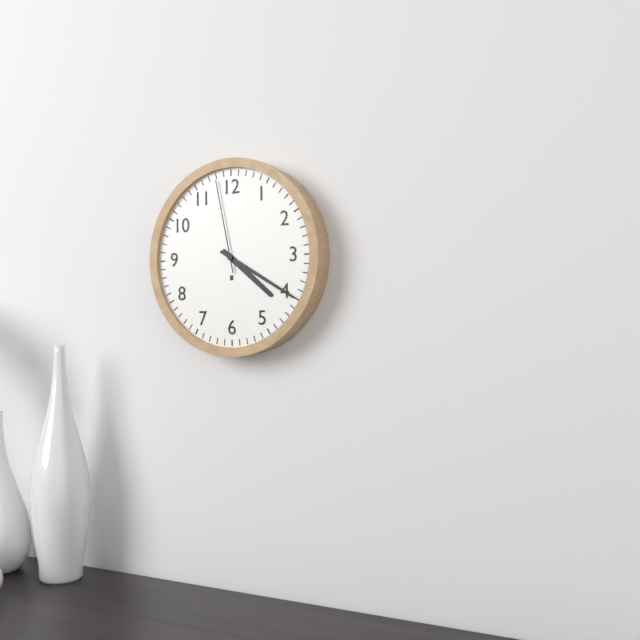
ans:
**4:20:58**
